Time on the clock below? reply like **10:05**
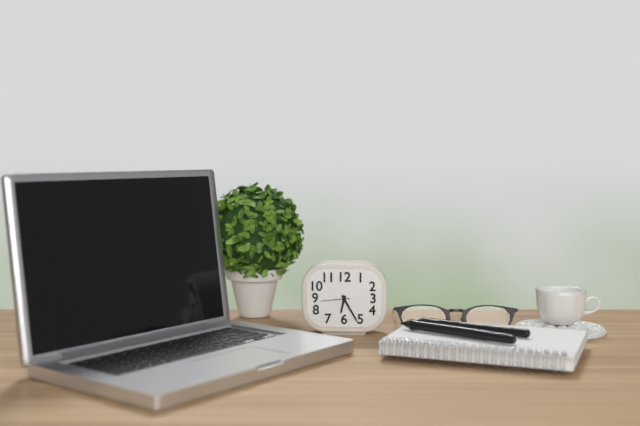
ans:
**6:25**
